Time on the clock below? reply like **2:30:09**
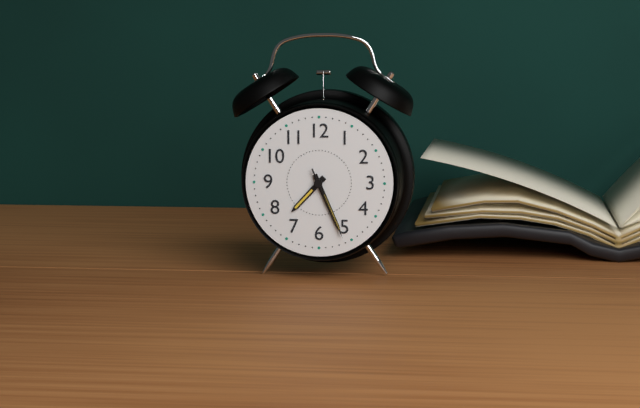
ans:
**7:26:26**
